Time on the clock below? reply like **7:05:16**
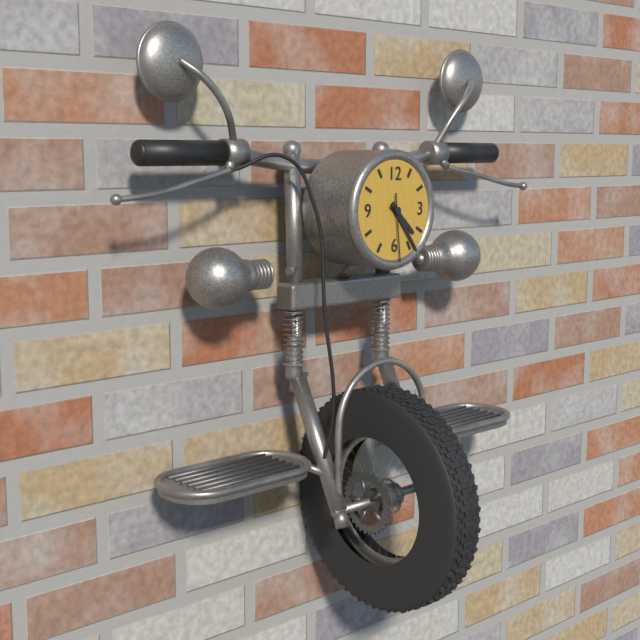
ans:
**4:24:29**
